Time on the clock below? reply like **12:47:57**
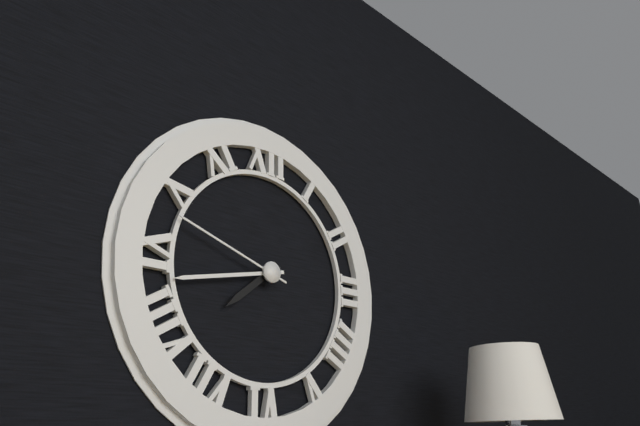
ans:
**7:43:48**
